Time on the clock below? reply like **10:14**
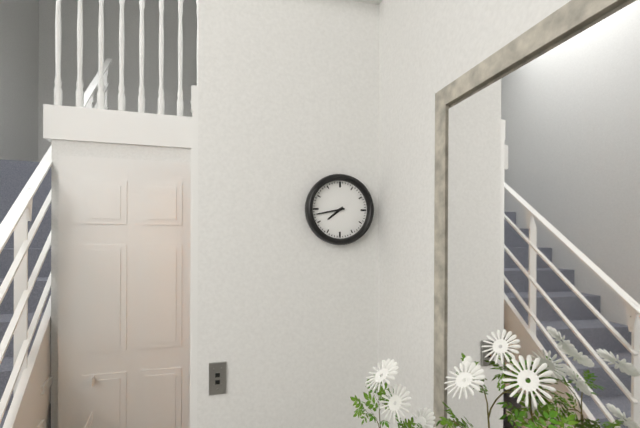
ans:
**7:43**
